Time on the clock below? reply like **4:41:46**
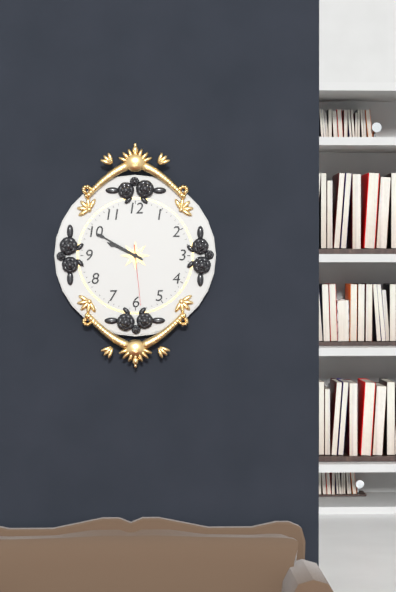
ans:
**9:50:29**
